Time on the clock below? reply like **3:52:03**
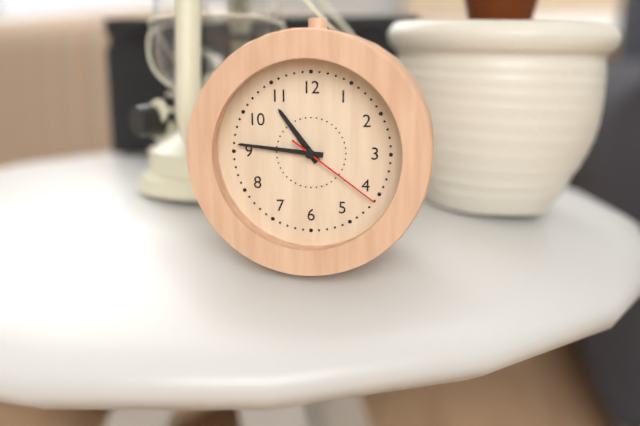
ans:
**10:46:21**
